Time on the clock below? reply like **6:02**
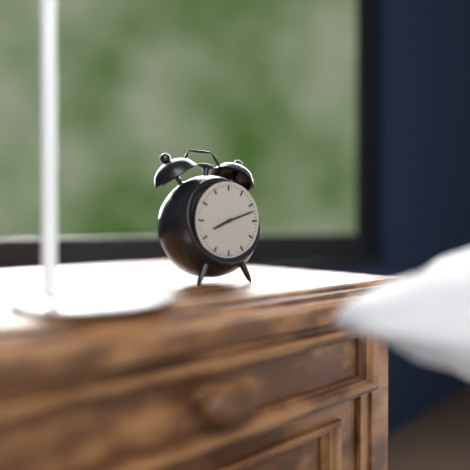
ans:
**8:12**
